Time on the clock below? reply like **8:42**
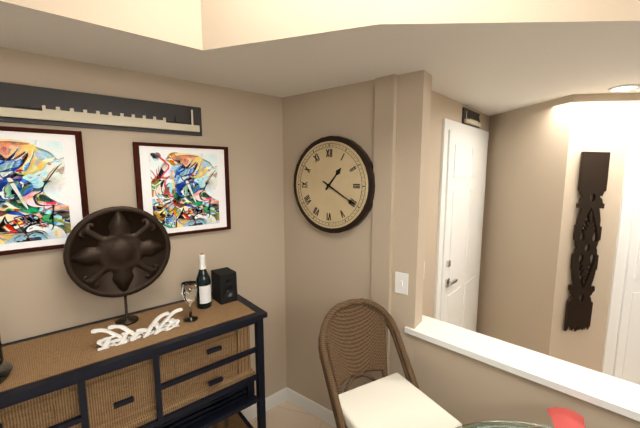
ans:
**1:20**
